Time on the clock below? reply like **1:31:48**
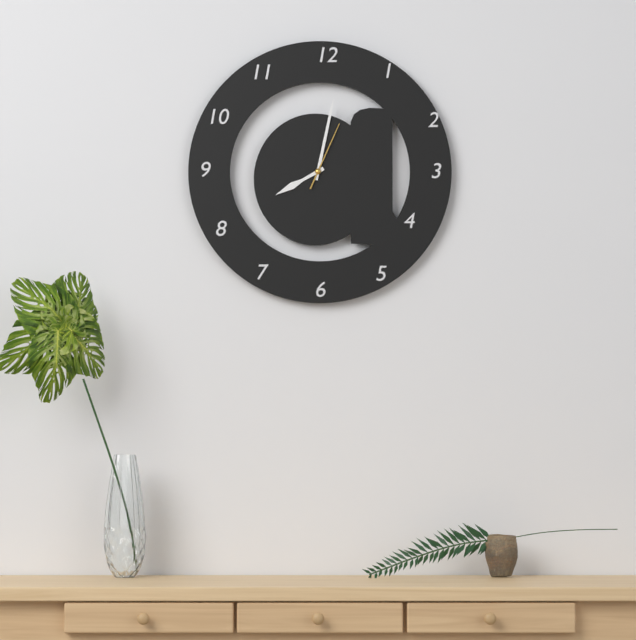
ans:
**8:02:04**
